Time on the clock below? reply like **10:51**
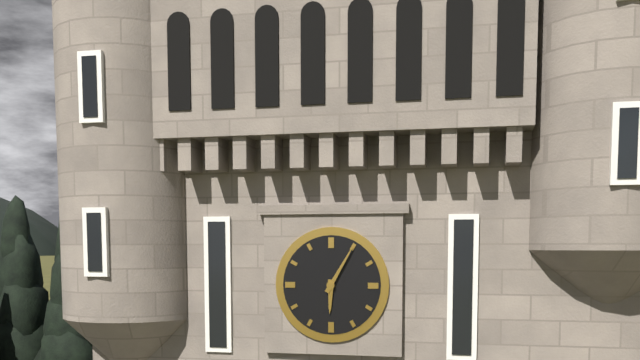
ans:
**6:05**
